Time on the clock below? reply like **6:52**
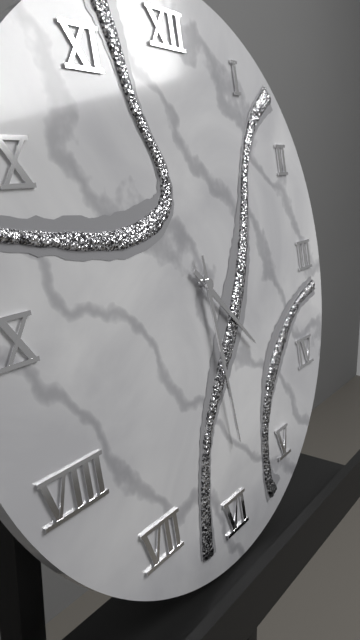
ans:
**4:29**
